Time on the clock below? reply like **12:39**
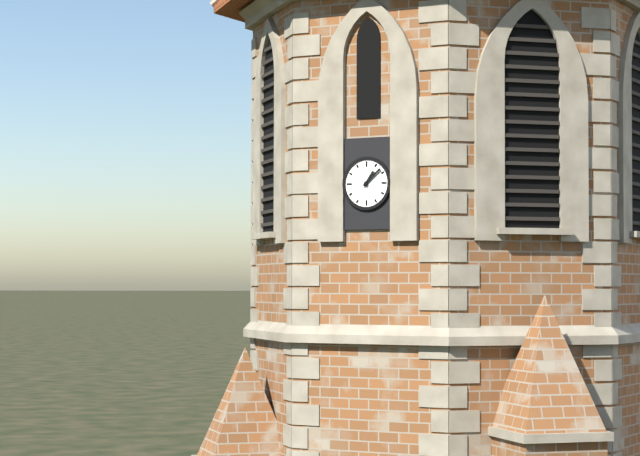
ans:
**1:08**
